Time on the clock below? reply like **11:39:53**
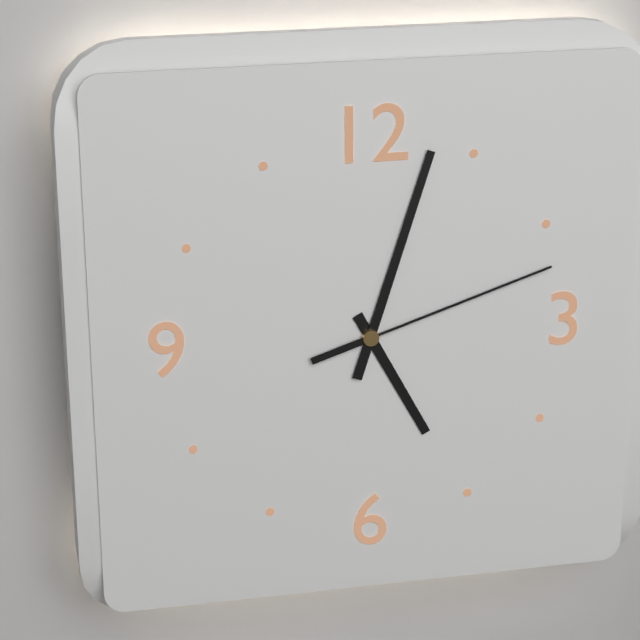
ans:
**5:03:12**
